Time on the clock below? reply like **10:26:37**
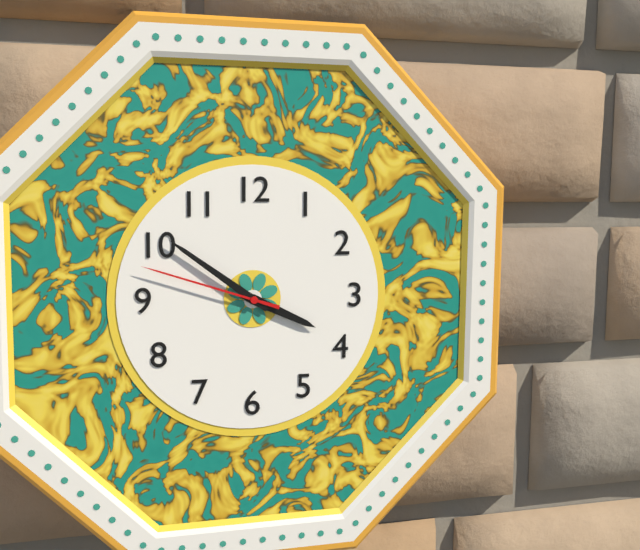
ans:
**3:51:48**
